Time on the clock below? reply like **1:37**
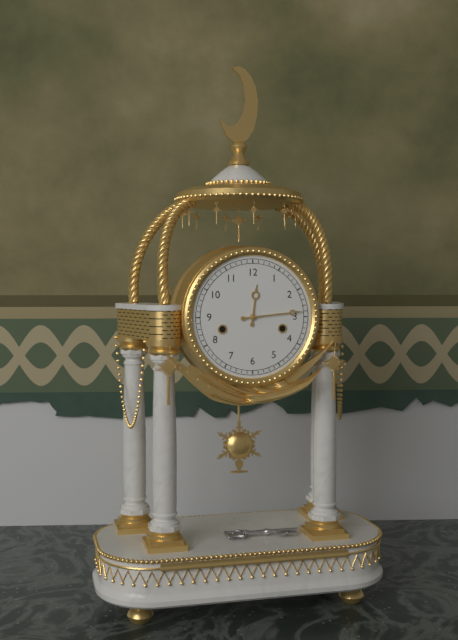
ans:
**12:14**
